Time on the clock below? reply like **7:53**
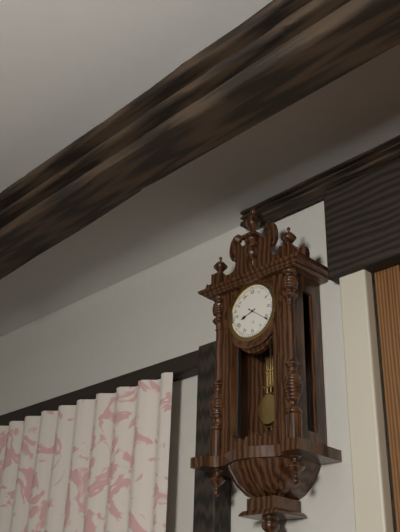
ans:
**8:21**
